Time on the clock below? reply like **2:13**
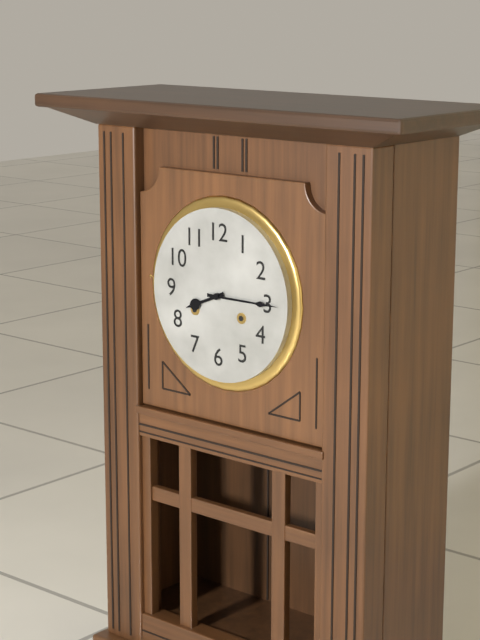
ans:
**8:15**
